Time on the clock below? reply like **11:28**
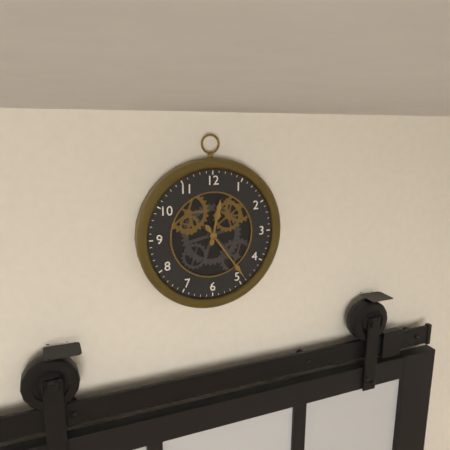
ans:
**12:24**
